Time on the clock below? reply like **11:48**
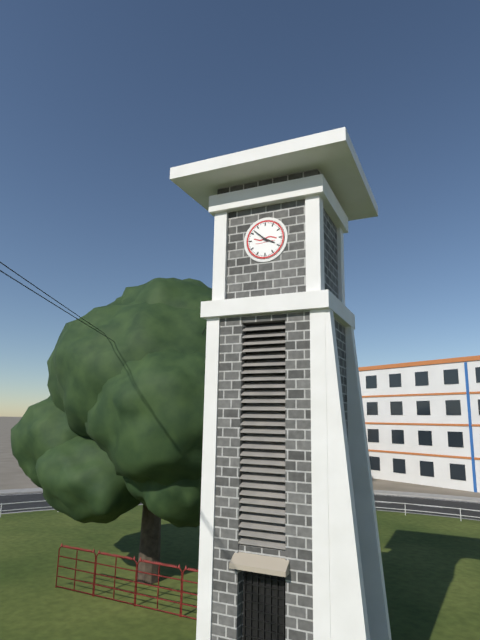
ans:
**3:52**
